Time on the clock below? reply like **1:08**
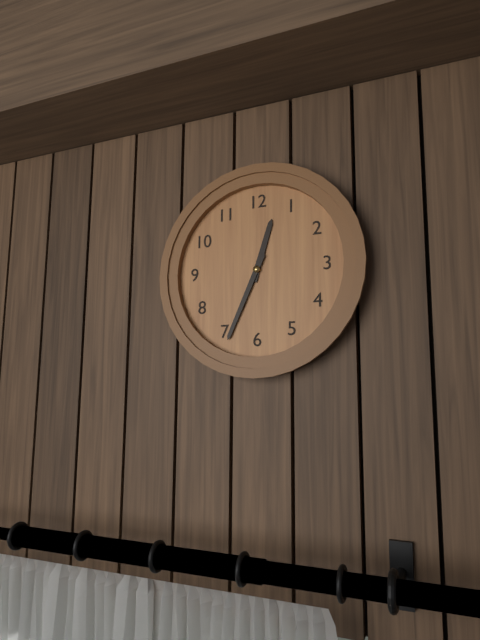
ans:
**12:34**
